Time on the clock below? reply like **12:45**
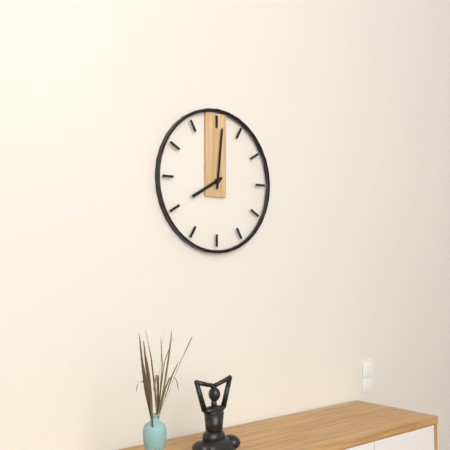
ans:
**8:01**
